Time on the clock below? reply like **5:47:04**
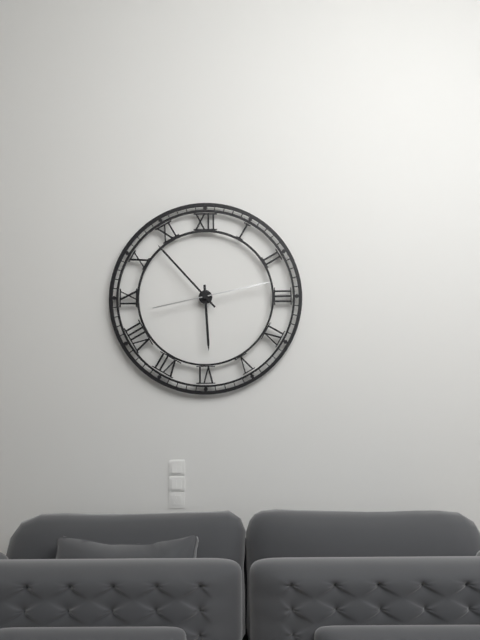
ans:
**5:53:13**
